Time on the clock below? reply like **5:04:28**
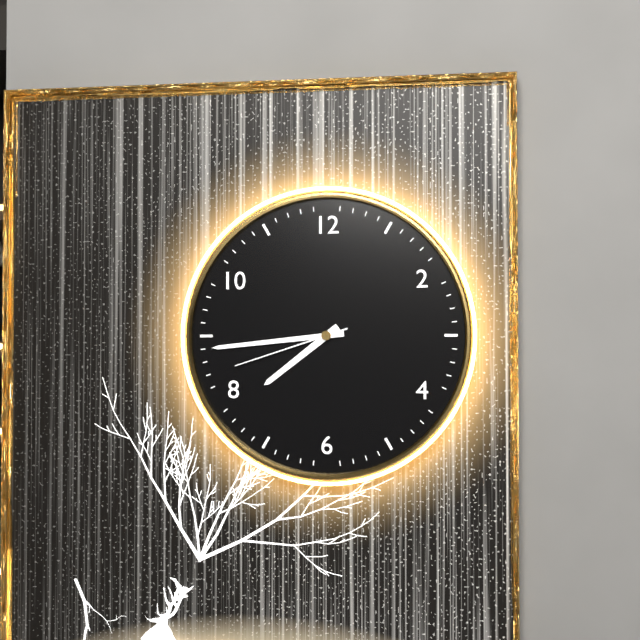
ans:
**7:44:42**
